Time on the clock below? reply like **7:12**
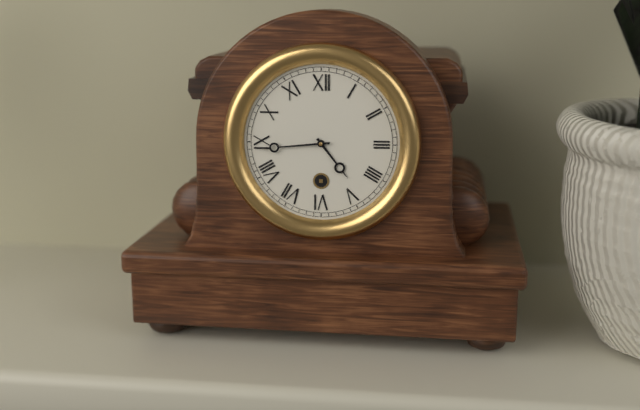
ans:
**4:44**
